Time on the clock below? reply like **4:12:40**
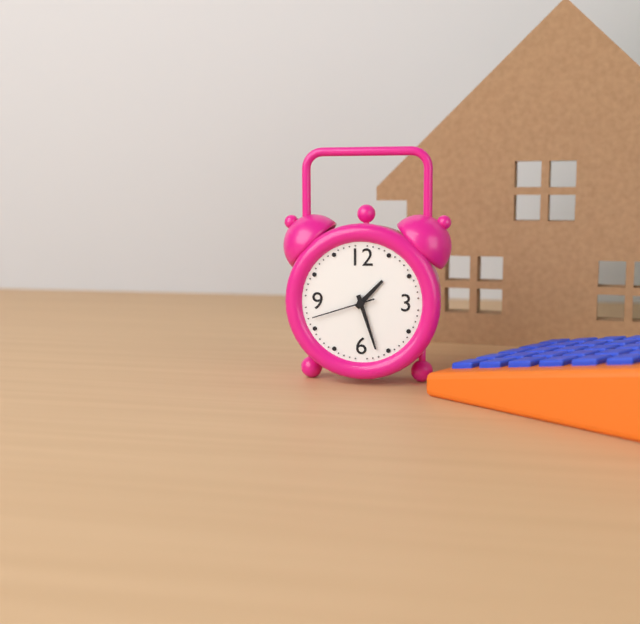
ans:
**1:27:42**
